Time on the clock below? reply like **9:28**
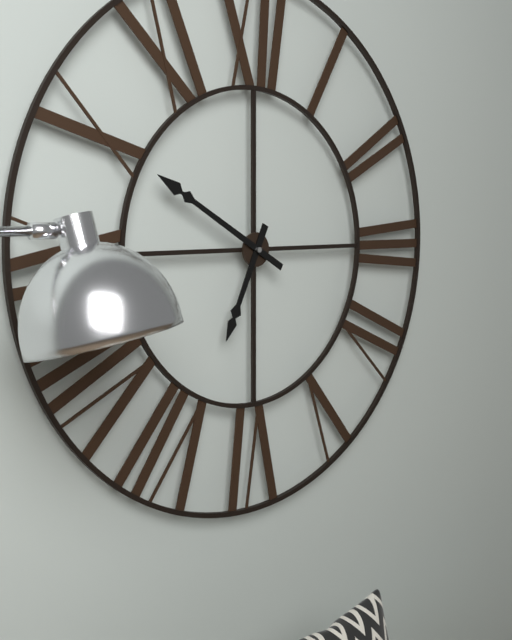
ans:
**6:50**
